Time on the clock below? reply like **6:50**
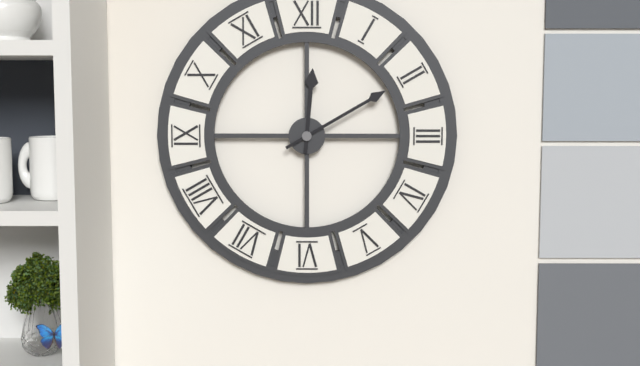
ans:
**12:10**
